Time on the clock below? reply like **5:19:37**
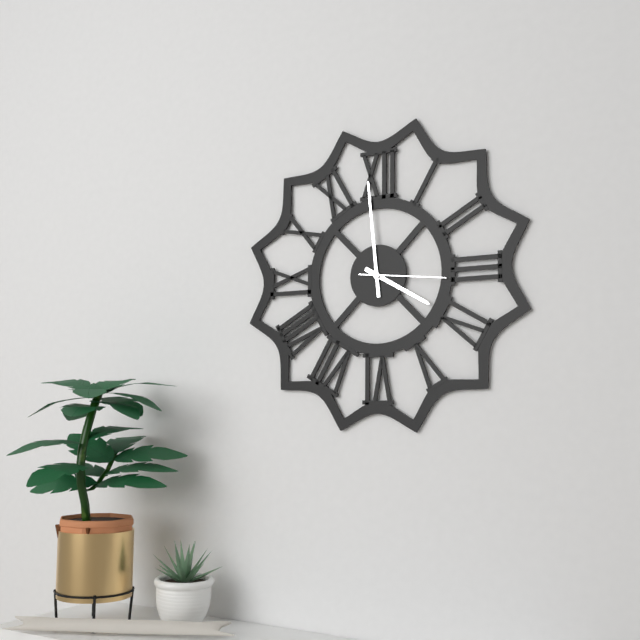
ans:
**3:59:16**
